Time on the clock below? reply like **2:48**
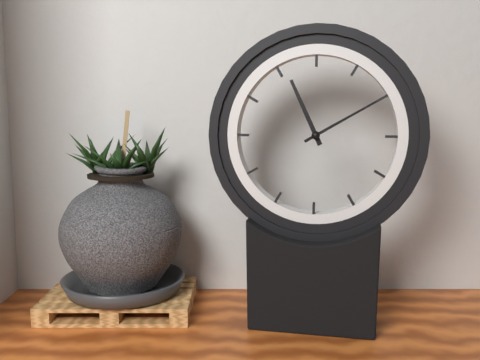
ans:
**11:10**
